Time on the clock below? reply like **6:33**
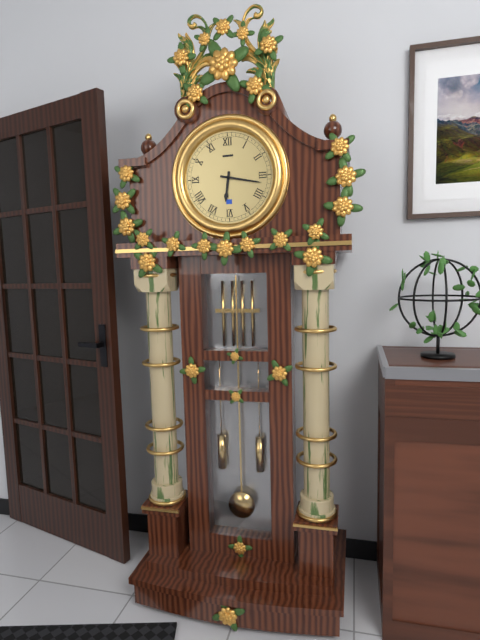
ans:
**6:17**
